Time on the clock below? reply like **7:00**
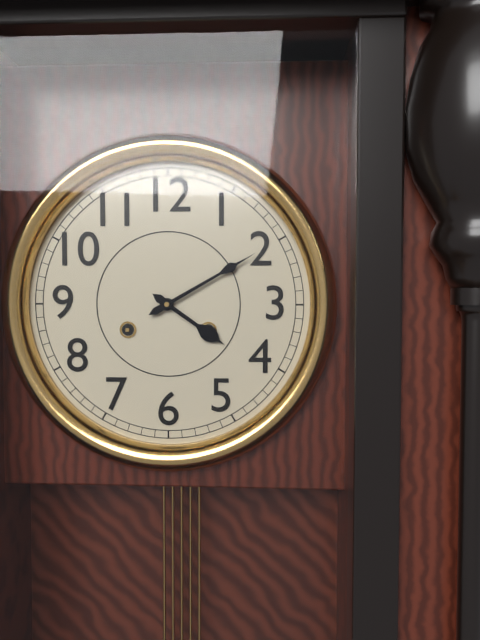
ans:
**4:10**
